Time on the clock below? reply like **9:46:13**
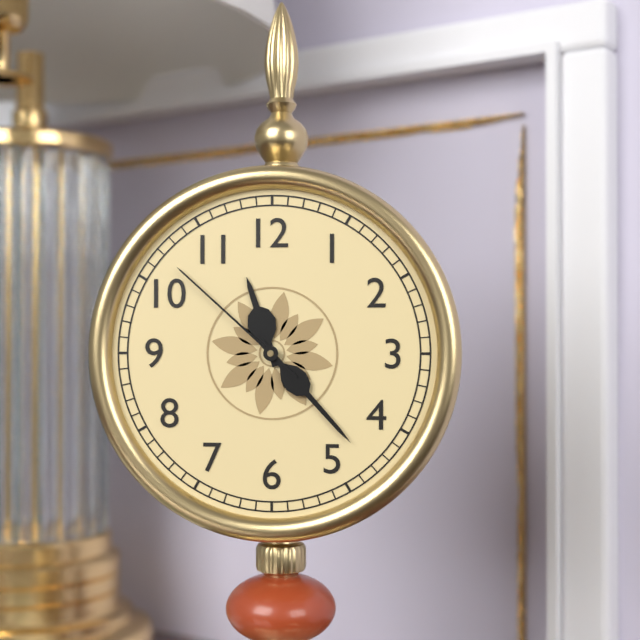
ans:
**11:23:52**
